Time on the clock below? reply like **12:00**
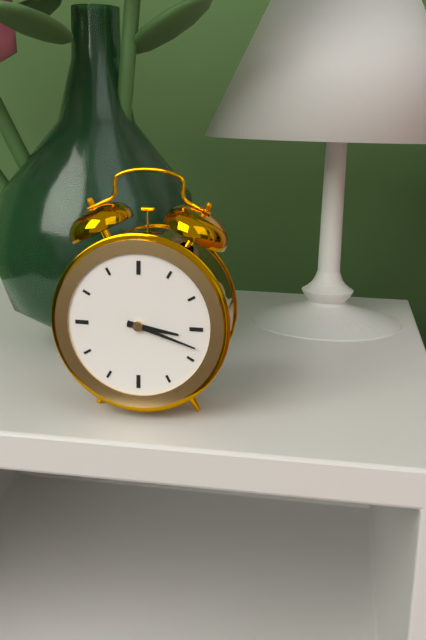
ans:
**3:18**
